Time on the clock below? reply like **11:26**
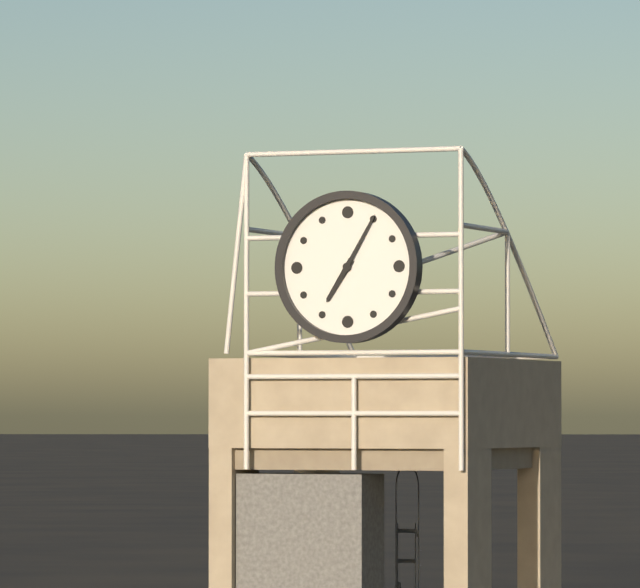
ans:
**7:05**
